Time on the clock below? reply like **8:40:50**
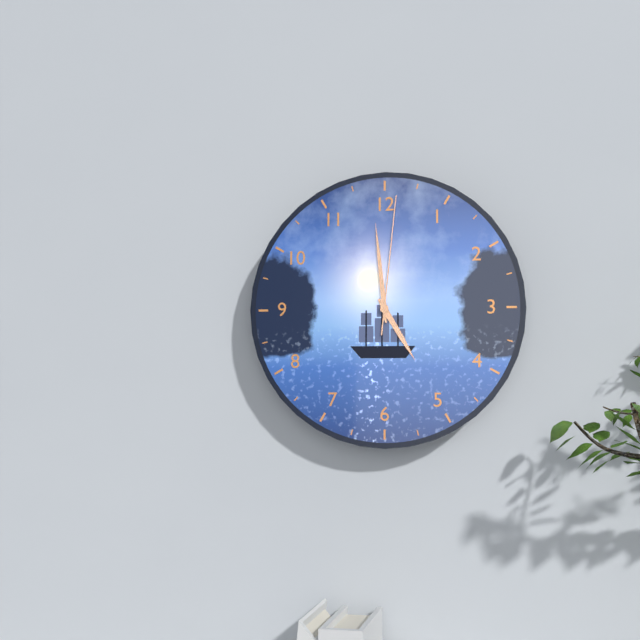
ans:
**4:59:01**
